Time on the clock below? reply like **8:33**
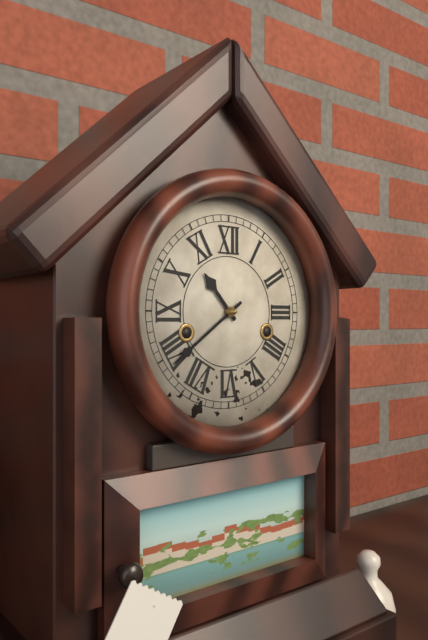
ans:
**10:39**
